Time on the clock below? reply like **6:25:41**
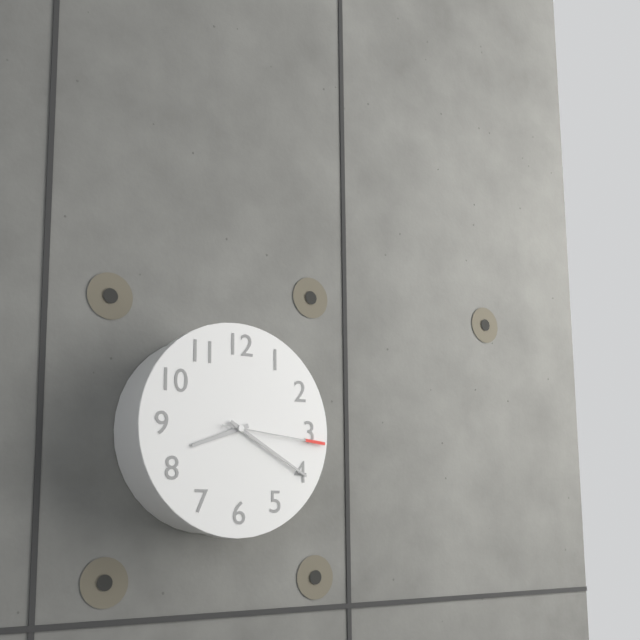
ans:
**8:20:16**
